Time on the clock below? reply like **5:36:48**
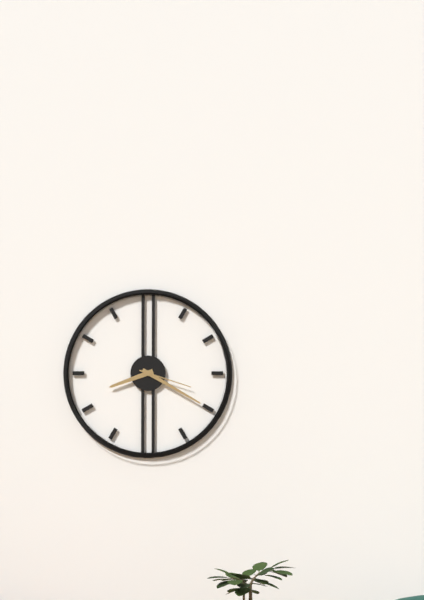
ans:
**8:20:18**
